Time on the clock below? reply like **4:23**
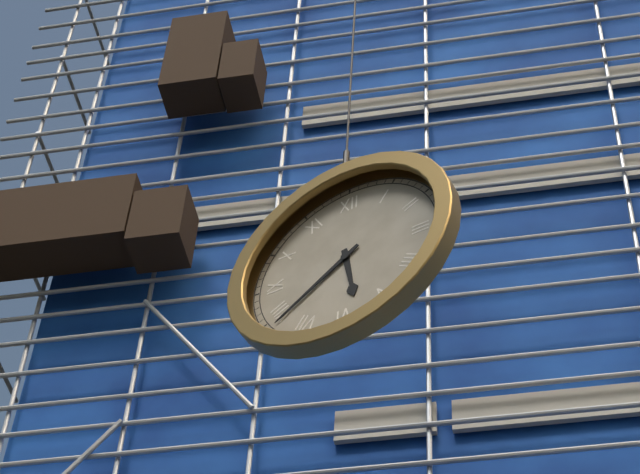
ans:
**5:39**
